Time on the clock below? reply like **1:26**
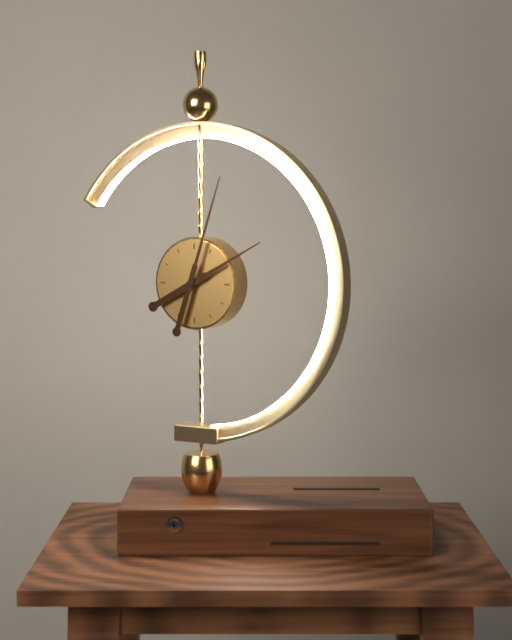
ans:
**2:03**
